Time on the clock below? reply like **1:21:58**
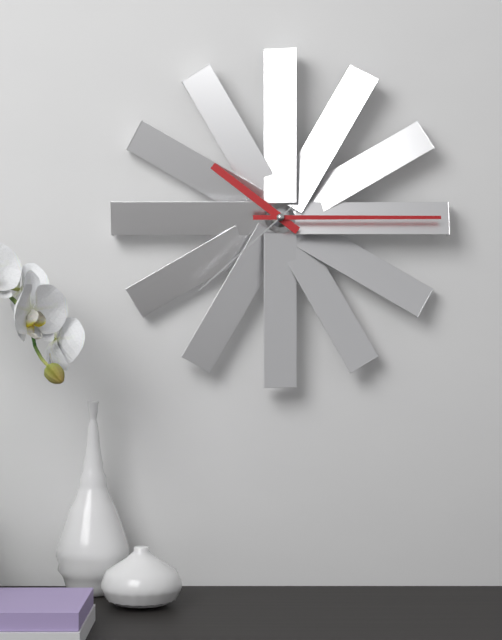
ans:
**10:15:38**
